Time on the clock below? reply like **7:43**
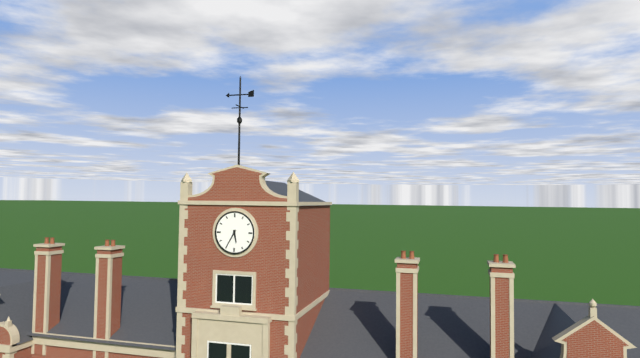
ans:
**5:35**
